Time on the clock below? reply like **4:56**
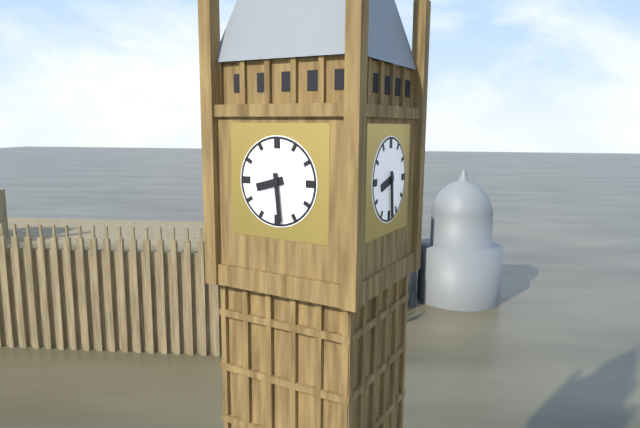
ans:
**8:29**
